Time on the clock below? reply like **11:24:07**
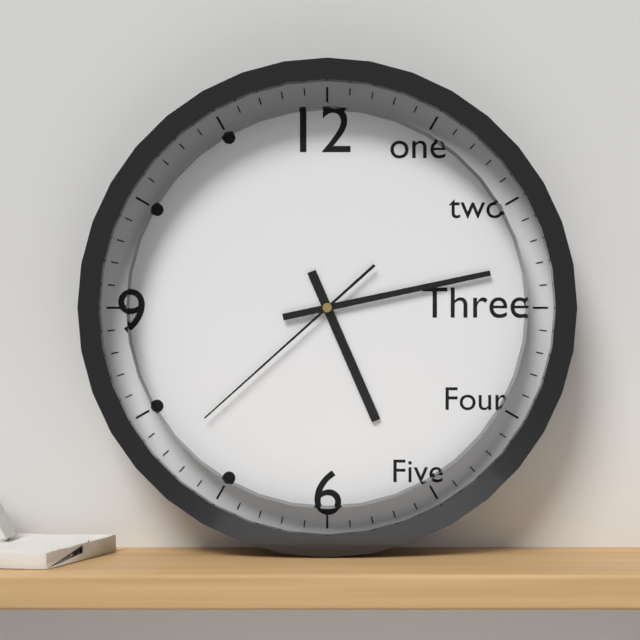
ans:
**5:13:38**
